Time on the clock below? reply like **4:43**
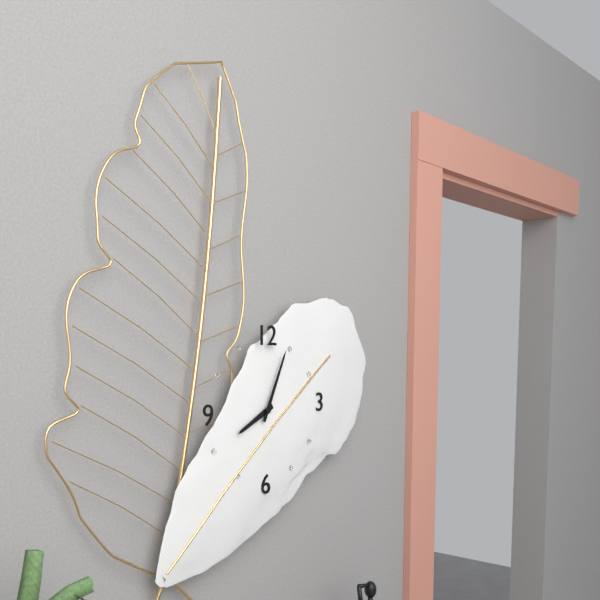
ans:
**8:04**
